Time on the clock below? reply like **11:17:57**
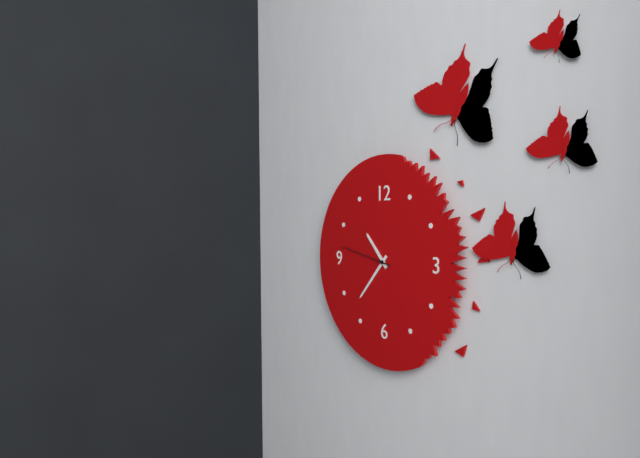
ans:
**10:37:47**
